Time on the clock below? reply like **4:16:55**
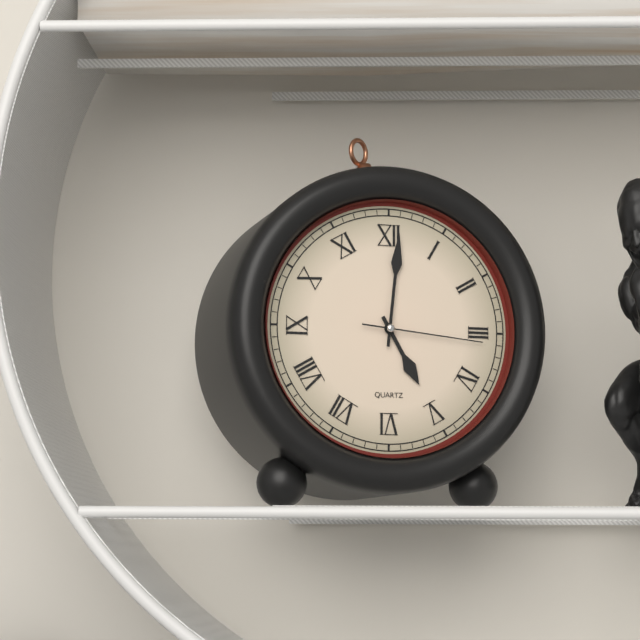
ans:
**5:01:16**
